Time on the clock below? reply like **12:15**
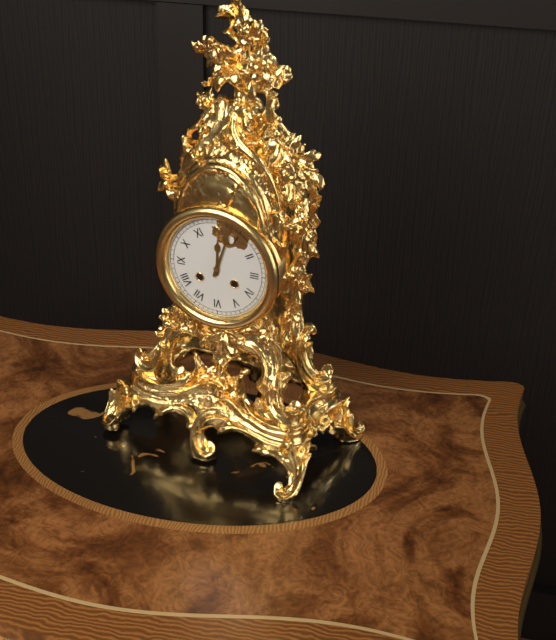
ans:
**12:03**
